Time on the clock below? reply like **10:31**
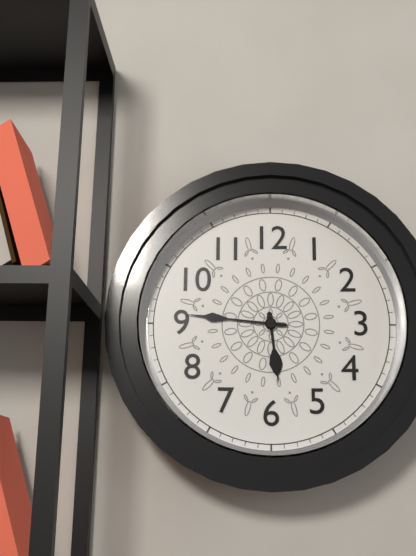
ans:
**5:46**
